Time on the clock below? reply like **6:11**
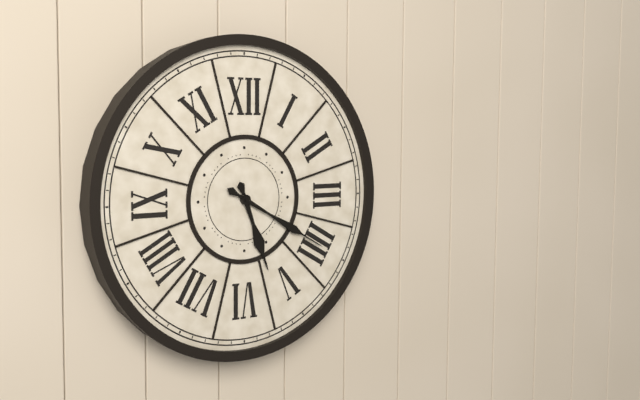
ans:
**5:20**
